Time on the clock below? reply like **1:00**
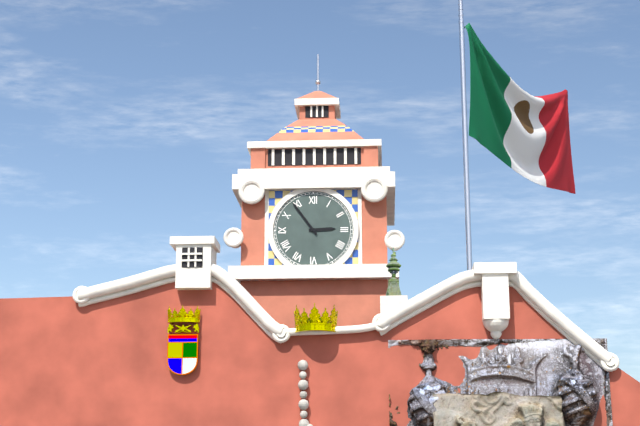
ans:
**2:54**
